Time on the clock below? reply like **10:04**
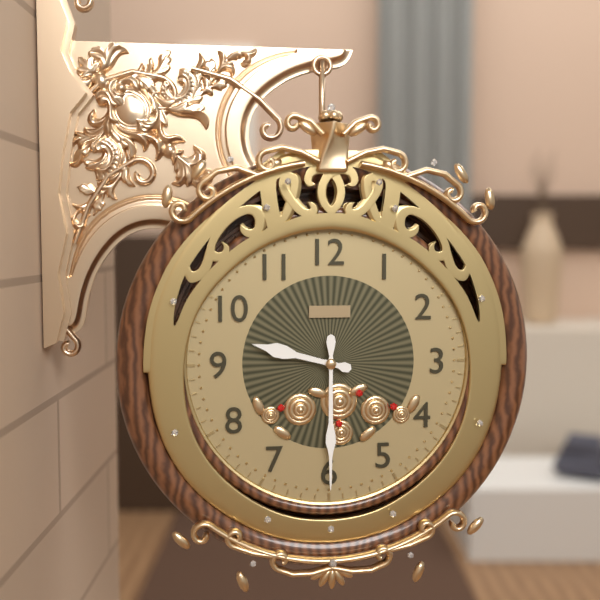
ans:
**9:30**
